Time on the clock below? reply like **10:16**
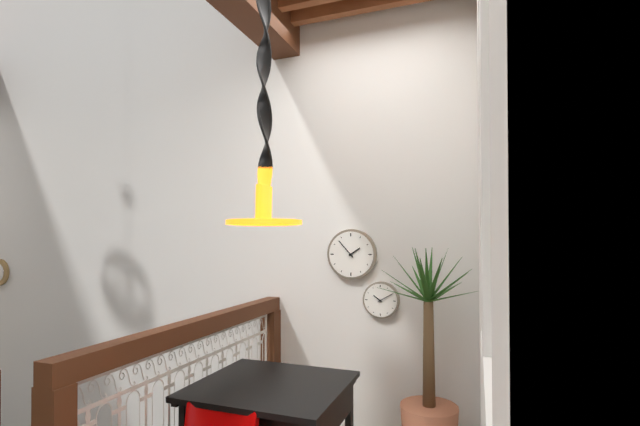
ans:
**1:53**
